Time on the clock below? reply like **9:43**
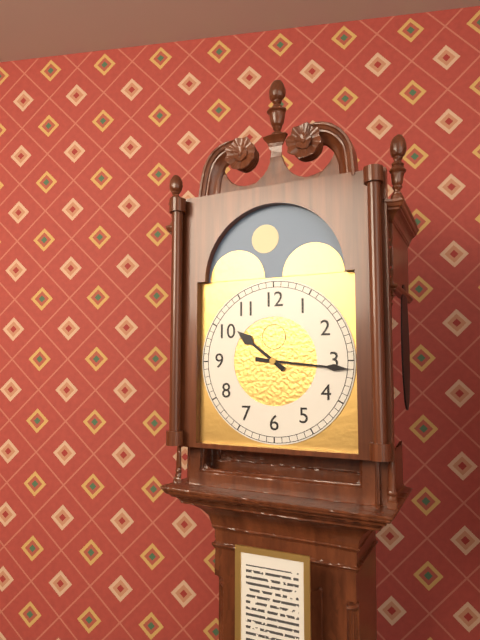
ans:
**10:16**
